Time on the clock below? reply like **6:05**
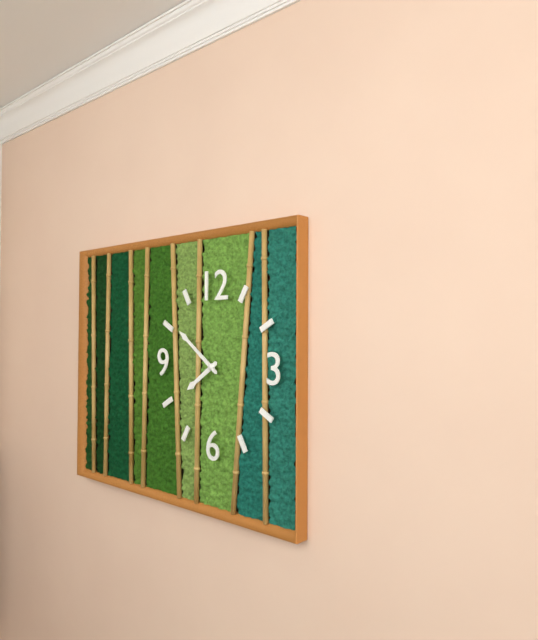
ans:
**7:51**
